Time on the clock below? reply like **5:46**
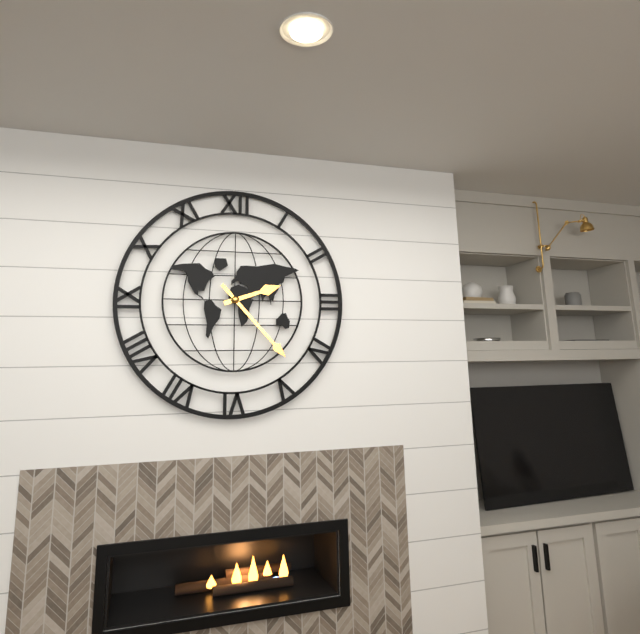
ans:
**2:23**
